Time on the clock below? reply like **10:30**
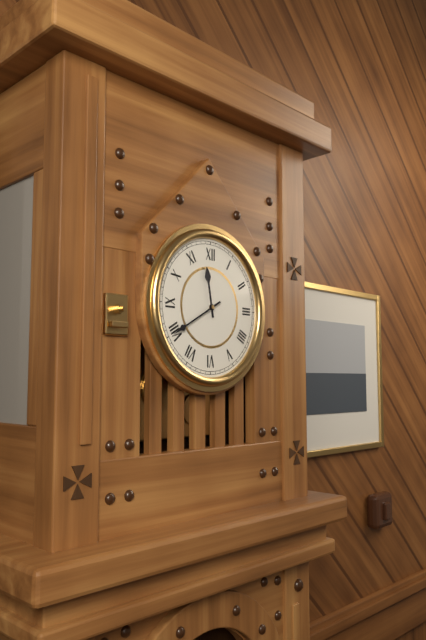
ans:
**11:40**
